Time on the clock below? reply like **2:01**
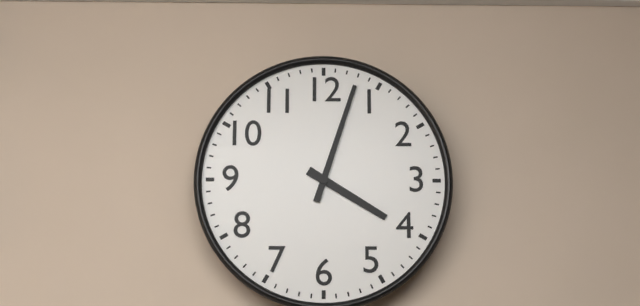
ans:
**4:03**
